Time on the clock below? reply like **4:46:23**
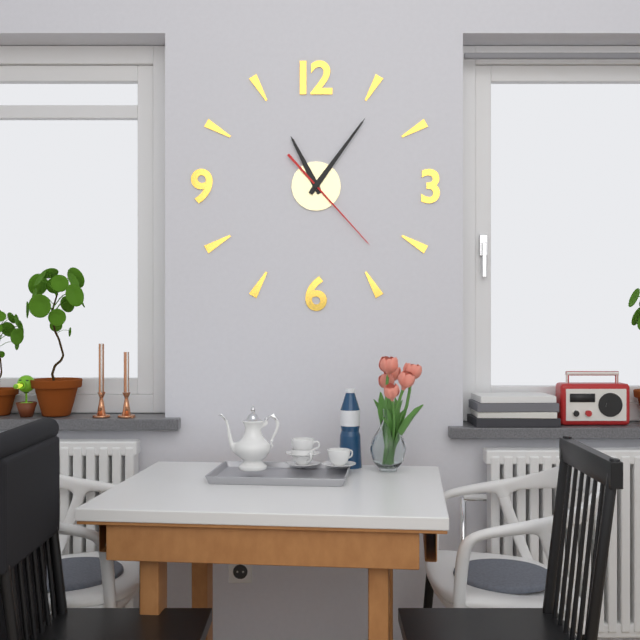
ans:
**11:06:23**
